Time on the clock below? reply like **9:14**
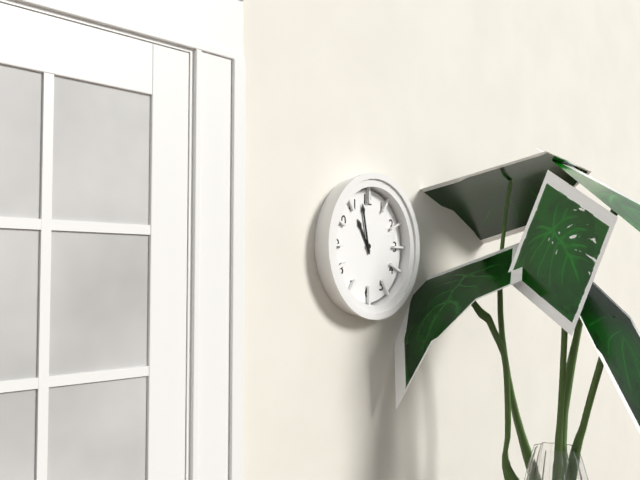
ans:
**10:58**
